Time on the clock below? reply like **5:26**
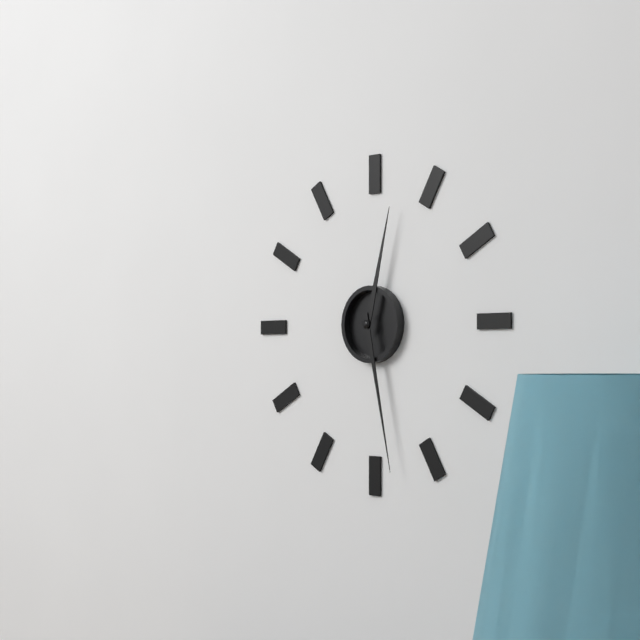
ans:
**12:28**
